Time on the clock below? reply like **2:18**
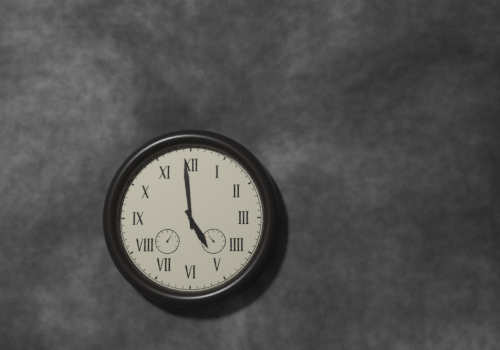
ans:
**4:59**
